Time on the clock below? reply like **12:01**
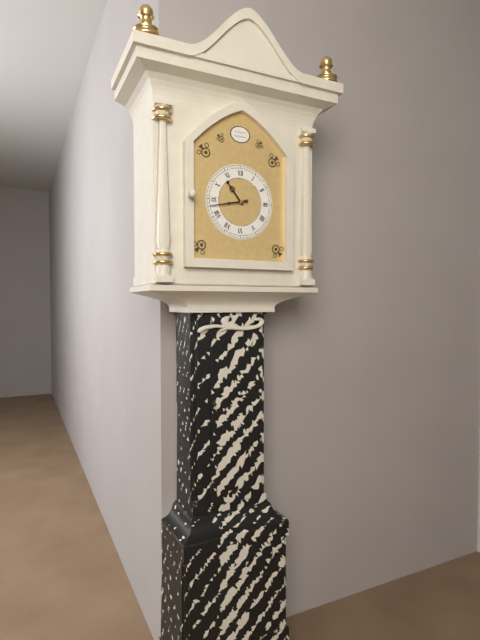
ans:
**10:43**
